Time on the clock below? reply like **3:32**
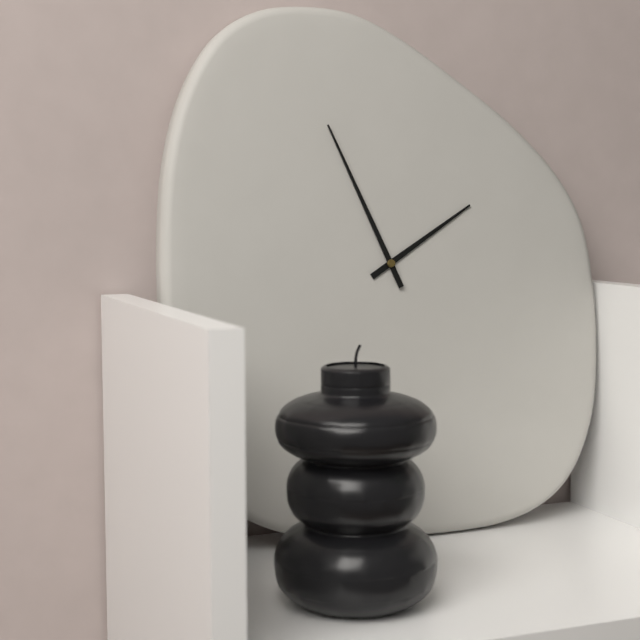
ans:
**1:56**
